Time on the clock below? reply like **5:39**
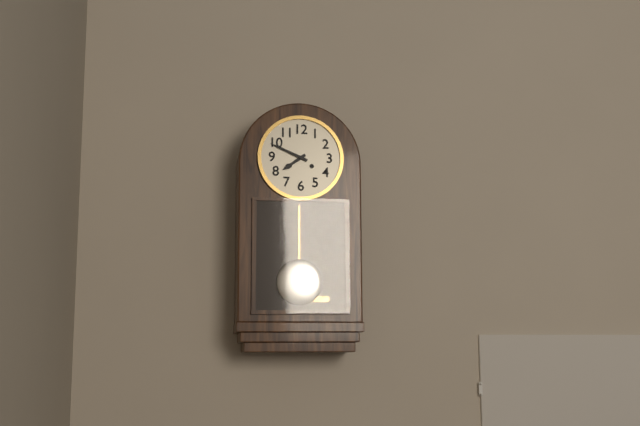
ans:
**7:49**
